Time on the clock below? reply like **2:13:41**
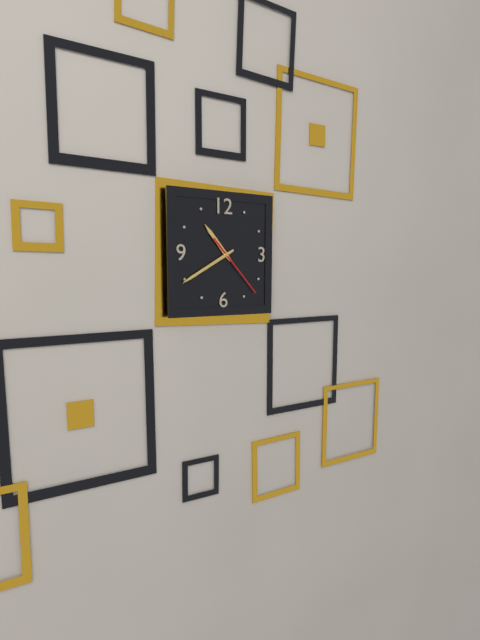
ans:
**10:40:23**
